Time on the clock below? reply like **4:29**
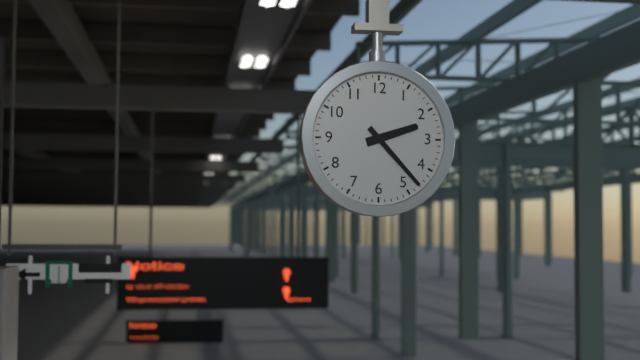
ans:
**2:23**
